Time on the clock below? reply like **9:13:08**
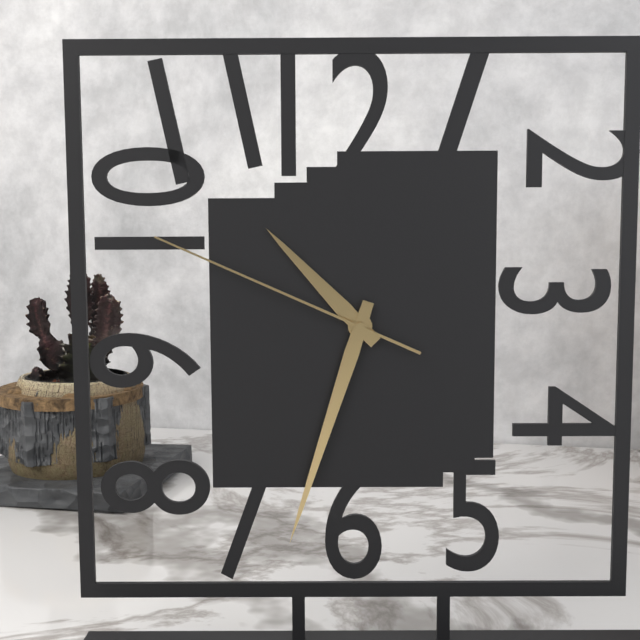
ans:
**10:33:49**
